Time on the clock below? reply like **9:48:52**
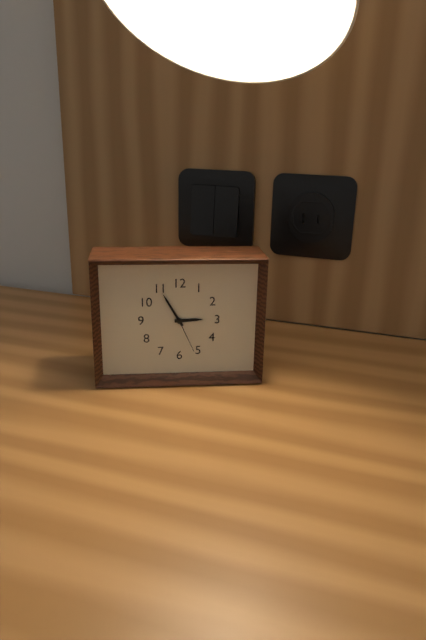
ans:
**2:55:26**
